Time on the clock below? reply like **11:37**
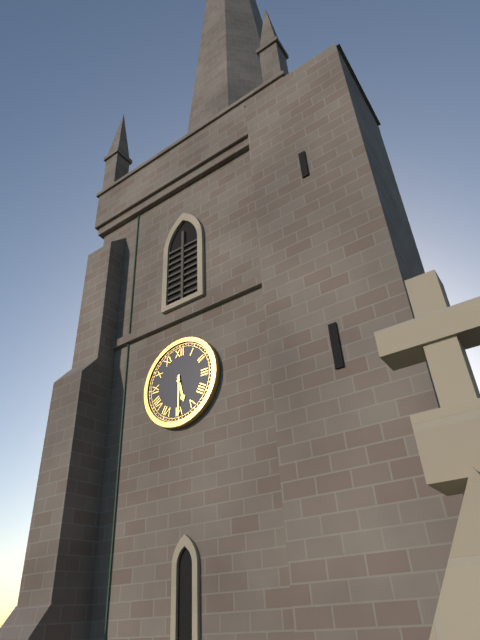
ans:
**5:30**
